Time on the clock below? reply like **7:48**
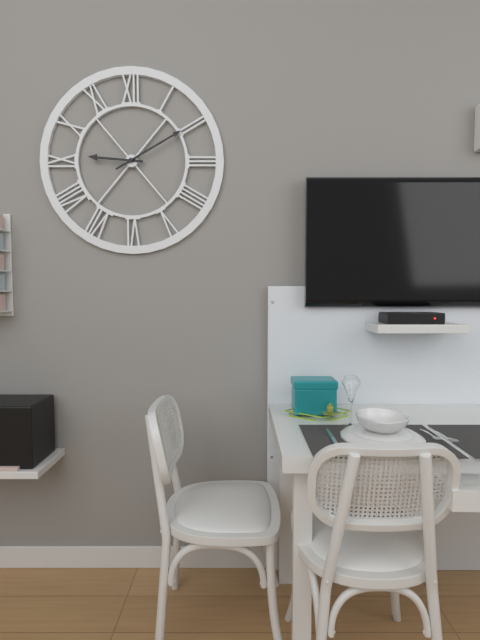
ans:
**9:10**
